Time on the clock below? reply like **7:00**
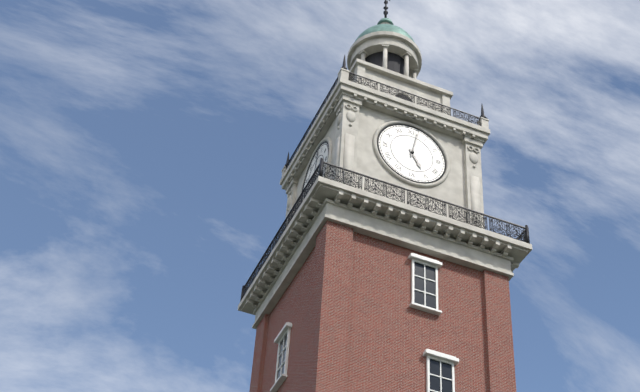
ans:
**5:02**
